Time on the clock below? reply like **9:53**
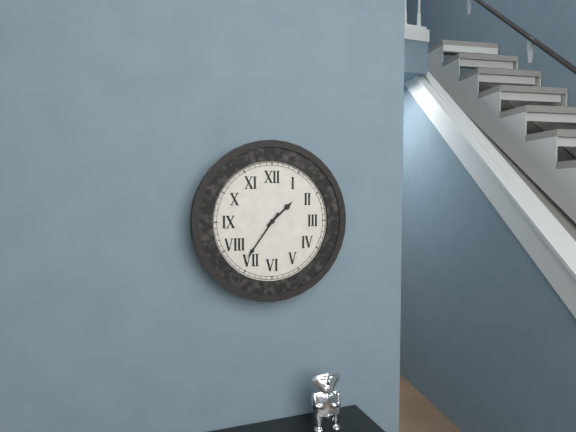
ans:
**1:36**
